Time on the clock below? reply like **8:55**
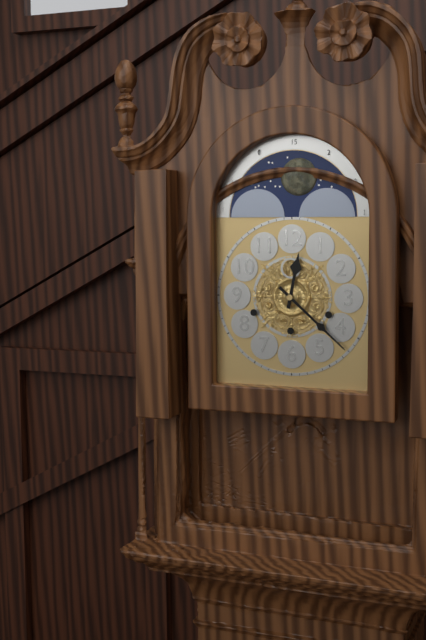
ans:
**12:22**
